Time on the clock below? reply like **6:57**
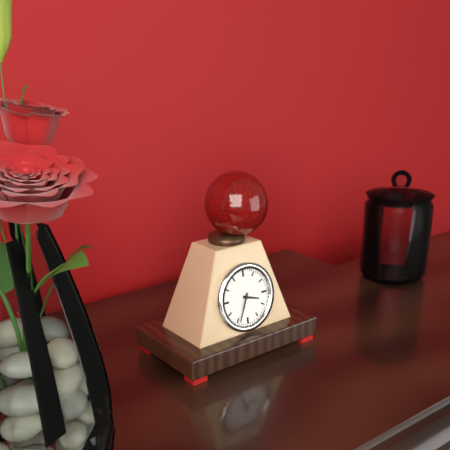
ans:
**3:34**
